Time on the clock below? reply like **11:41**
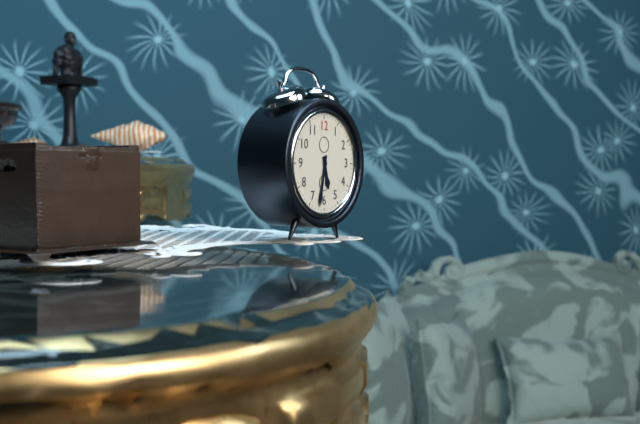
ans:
**5:32**
